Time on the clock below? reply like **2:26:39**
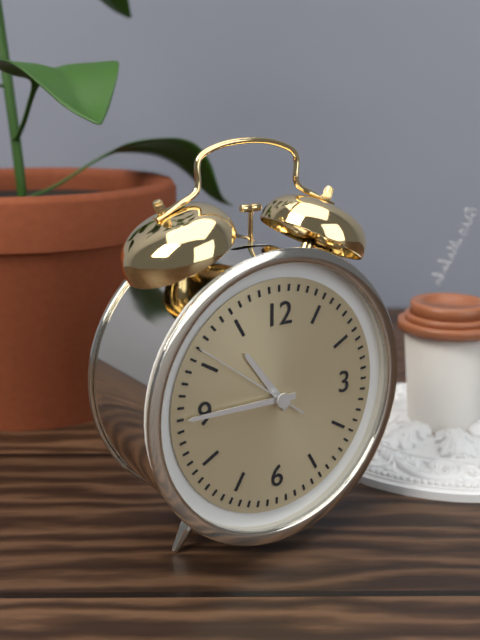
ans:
**10:45:51**
